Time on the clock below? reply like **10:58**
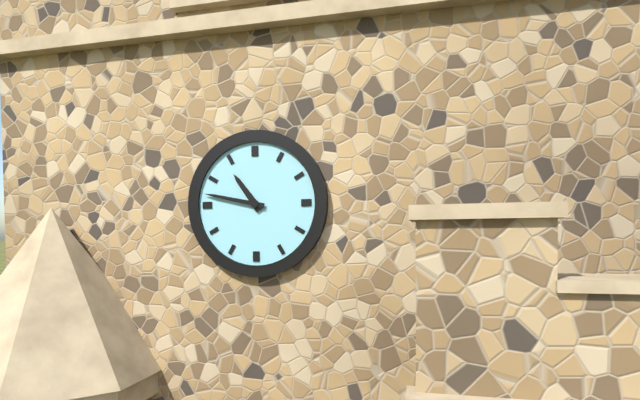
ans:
**10:47**
